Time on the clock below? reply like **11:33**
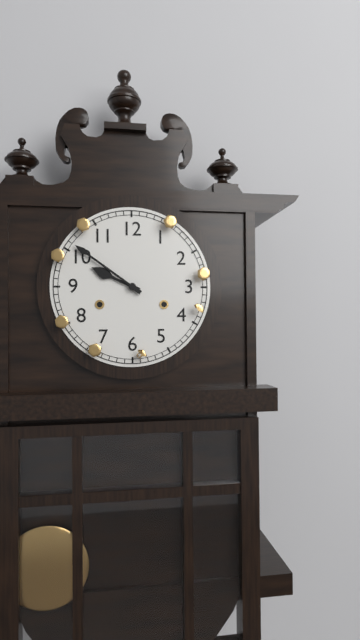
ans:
**9:51**
